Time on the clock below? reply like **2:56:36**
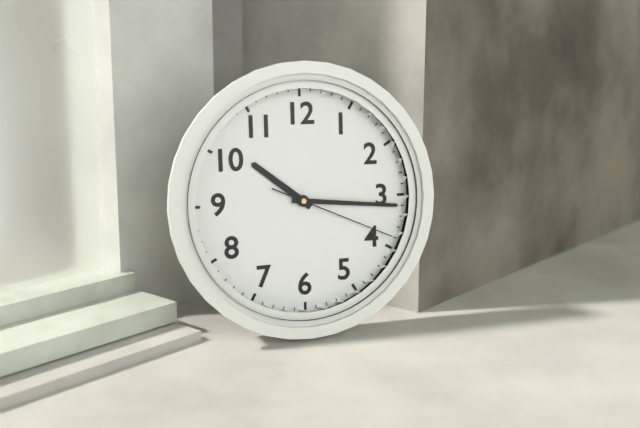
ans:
**10:16:19**
